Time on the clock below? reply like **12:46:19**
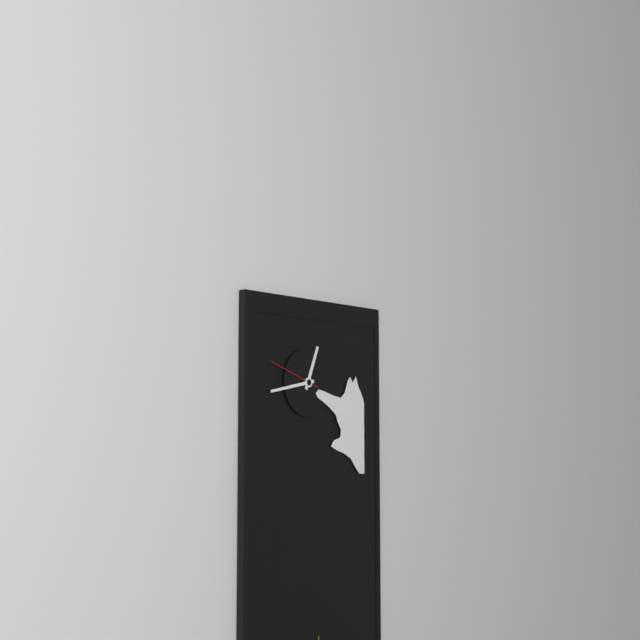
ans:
**12:43:48**
